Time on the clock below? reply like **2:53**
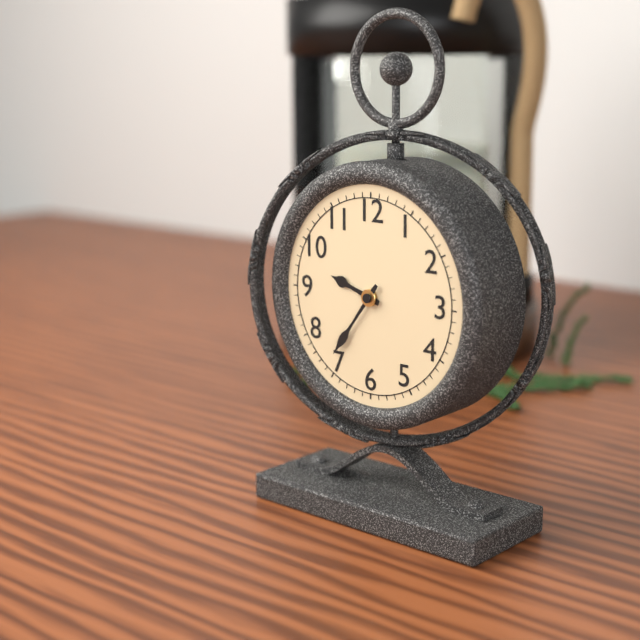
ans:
**9:36**
